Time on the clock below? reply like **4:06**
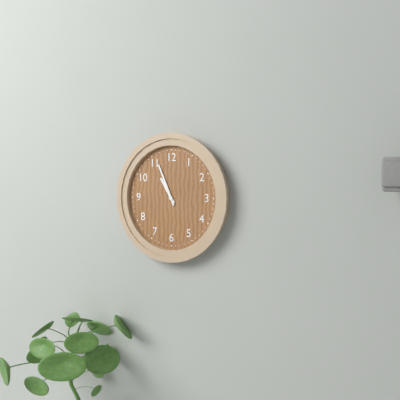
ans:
**10:56**
